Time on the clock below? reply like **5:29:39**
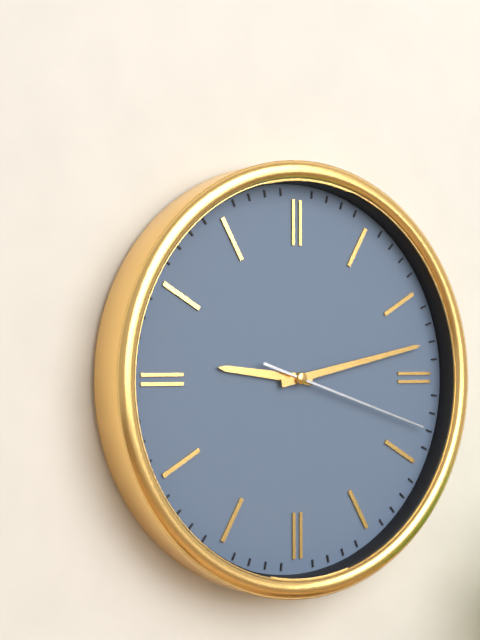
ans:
**9:13:18**
